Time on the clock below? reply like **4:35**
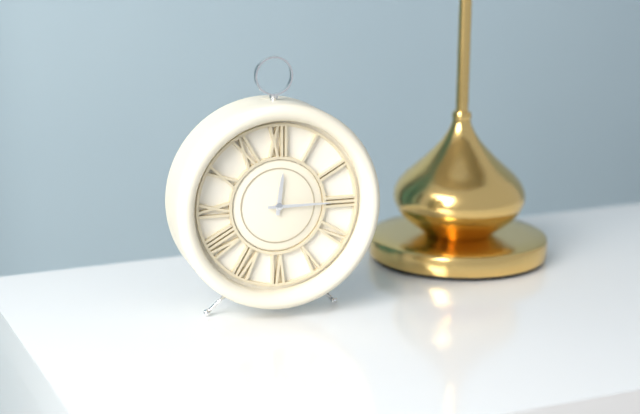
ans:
**12:15**
